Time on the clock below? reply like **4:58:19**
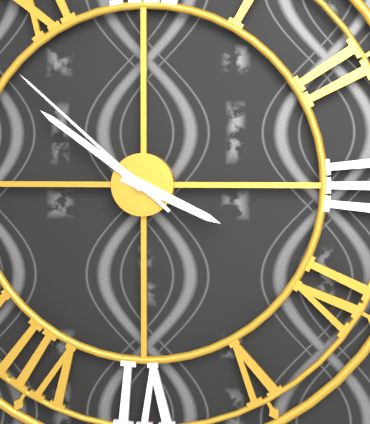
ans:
**3:51:52**
